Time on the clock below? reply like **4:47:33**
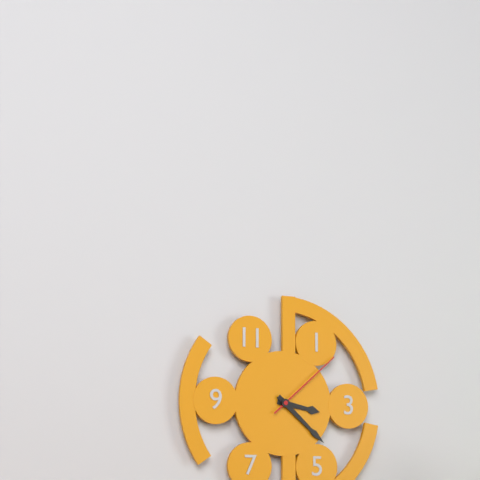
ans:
**3:22:08**
